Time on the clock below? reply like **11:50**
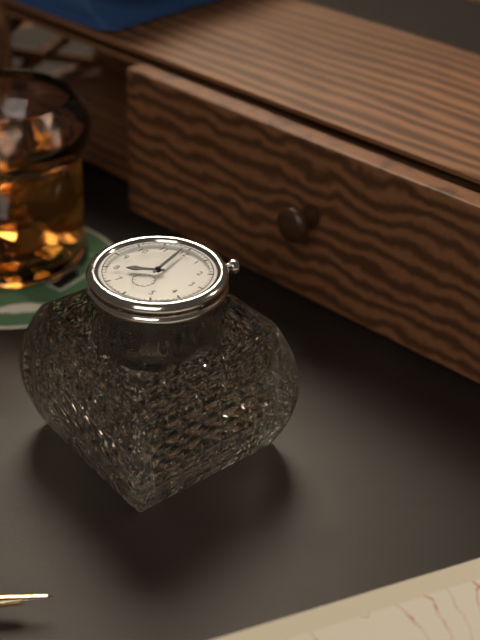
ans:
**7:59**
